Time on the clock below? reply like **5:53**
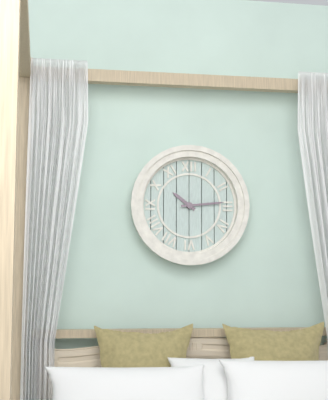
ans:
**10:14**
